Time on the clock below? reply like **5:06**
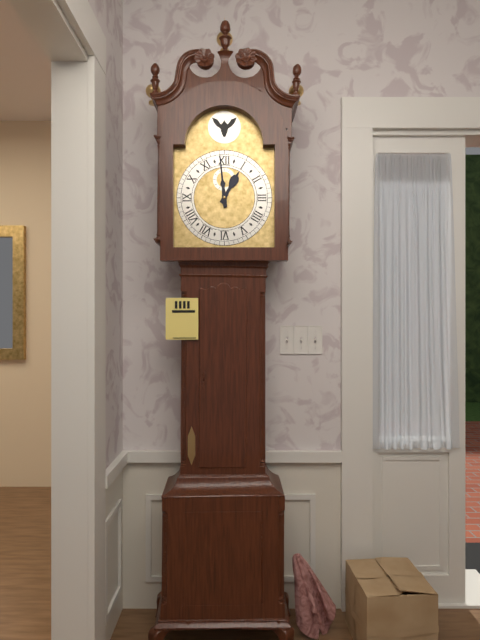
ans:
**12:59**
